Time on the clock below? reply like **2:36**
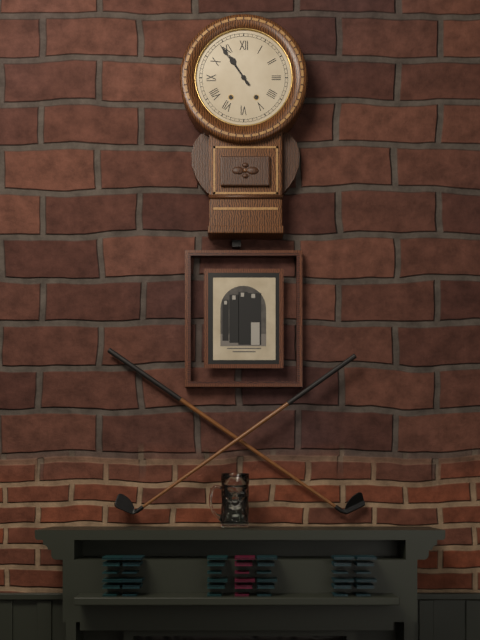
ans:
**10:54**
